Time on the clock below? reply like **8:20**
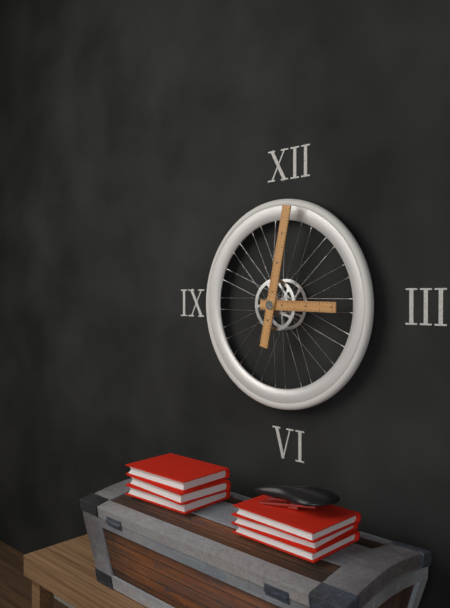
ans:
**3:02**
